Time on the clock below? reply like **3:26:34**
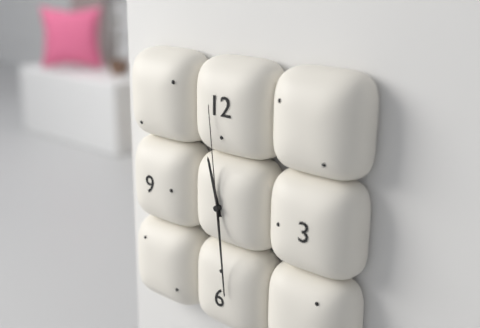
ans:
**11:29:59**
